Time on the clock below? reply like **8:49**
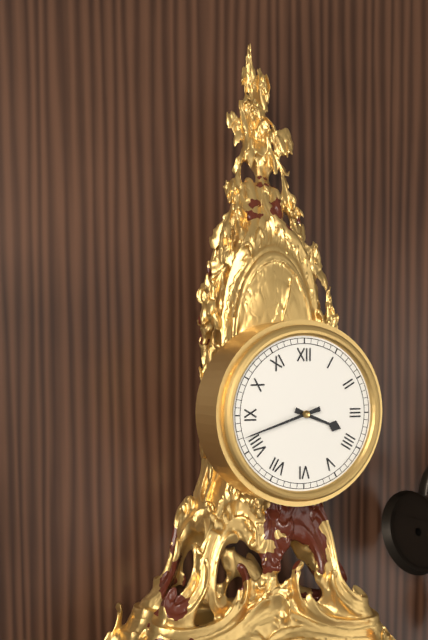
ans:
**3:42**
